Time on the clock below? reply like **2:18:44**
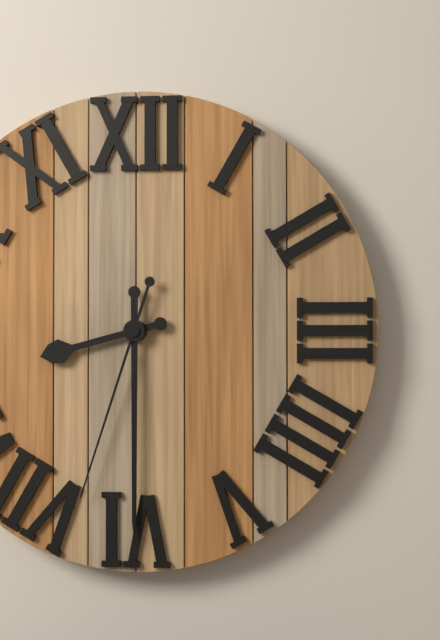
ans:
**8:30:33**
